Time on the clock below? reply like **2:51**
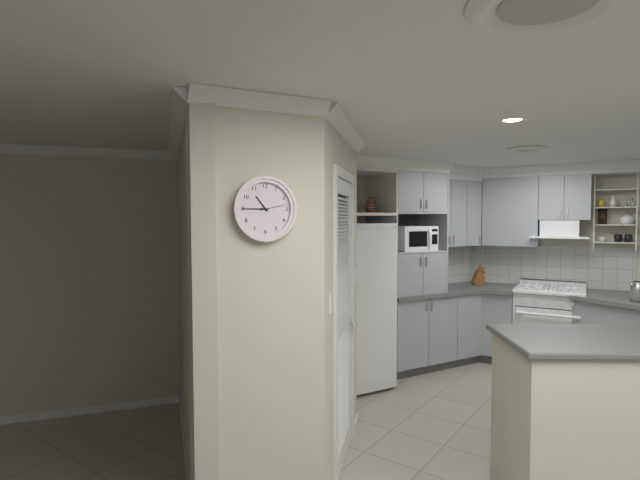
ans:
**10:45**
